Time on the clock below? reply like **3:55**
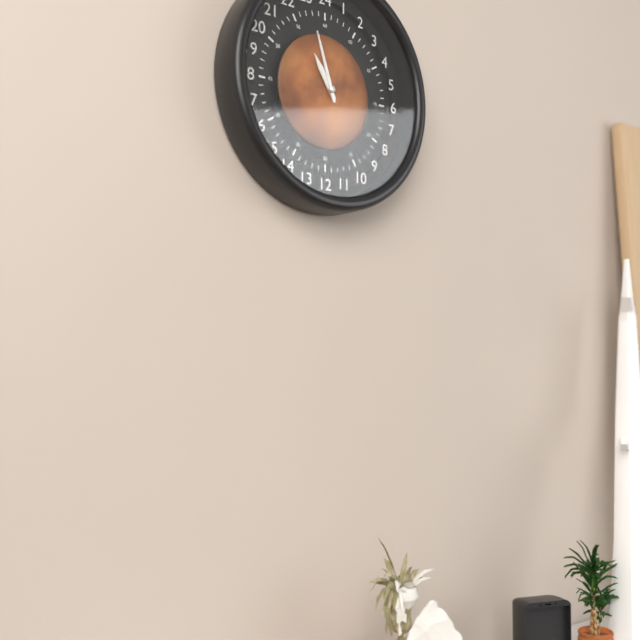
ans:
**10:57**
